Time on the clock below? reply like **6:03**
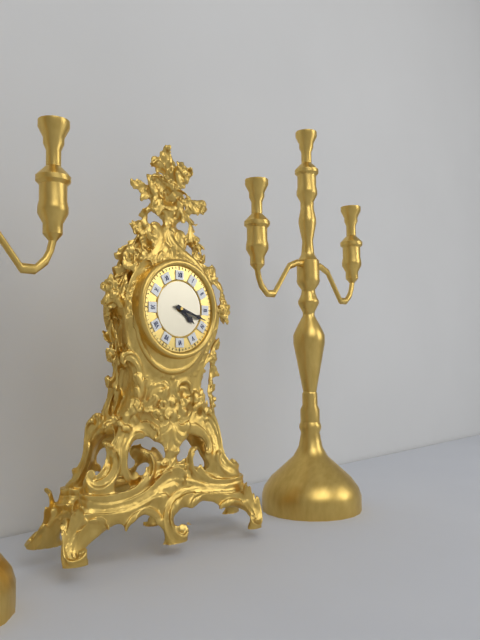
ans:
**4:18**
